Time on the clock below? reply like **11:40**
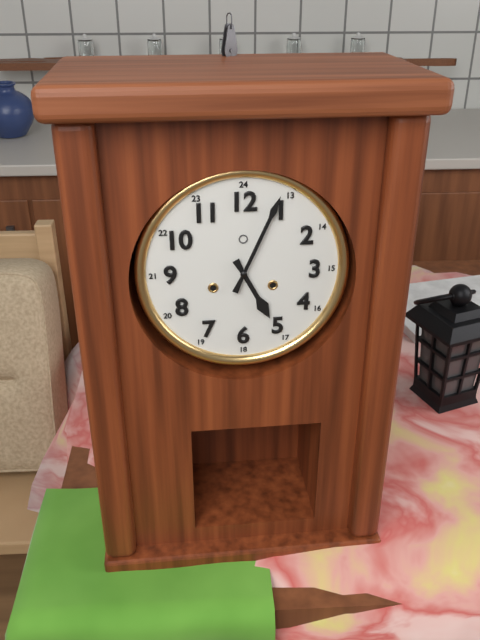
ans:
**5:04**
